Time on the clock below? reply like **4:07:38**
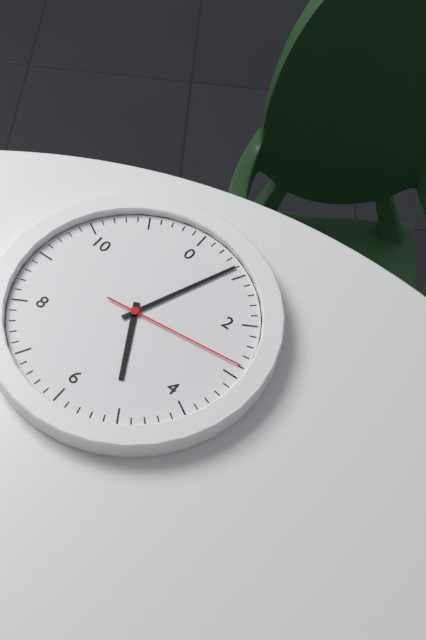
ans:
**5:04:14**
